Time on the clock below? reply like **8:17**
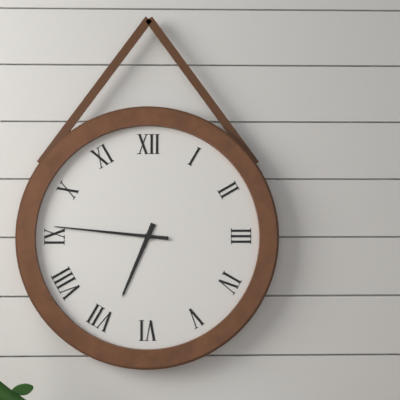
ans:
**6:46**
